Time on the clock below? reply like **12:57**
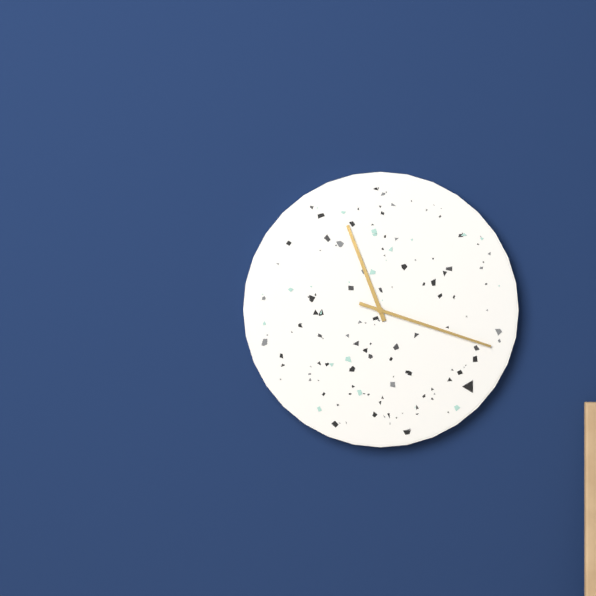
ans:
**11:18**
